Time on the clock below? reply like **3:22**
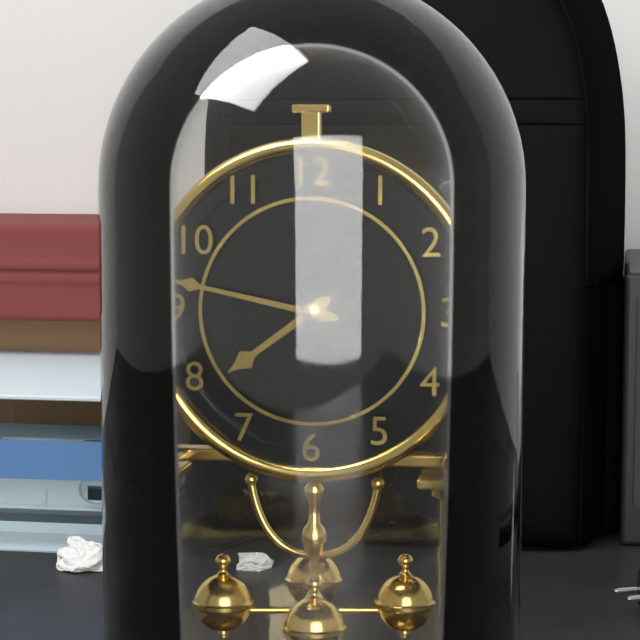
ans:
**7:47**
